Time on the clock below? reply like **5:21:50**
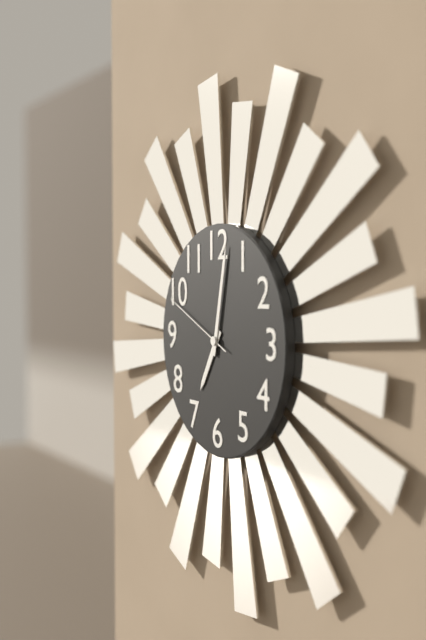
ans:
**7:02:49**
